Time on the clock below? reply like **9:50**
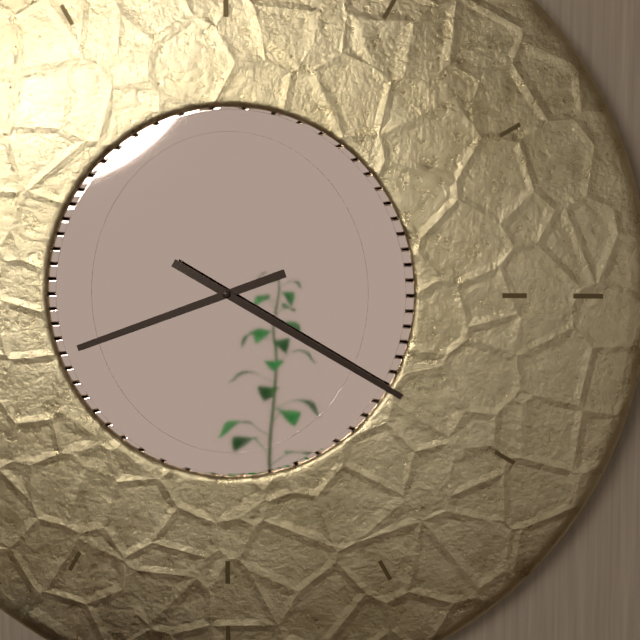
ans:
**8:20**
